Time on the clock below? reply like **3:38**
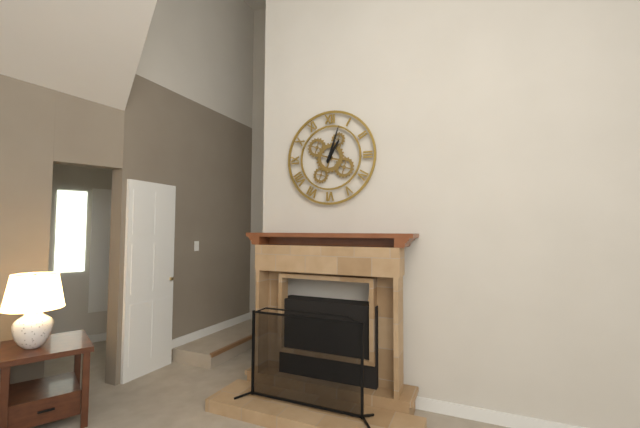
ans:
**1:03**
